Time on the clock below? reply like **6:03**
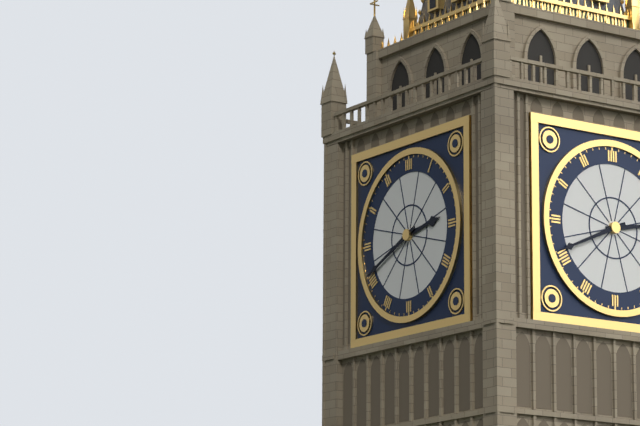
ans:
**2:41**
